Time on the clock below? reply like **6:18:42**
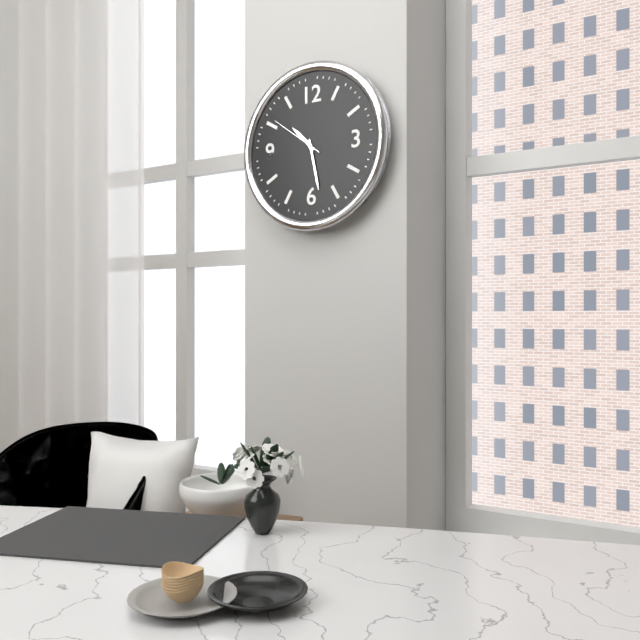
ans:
**10:28:51**
